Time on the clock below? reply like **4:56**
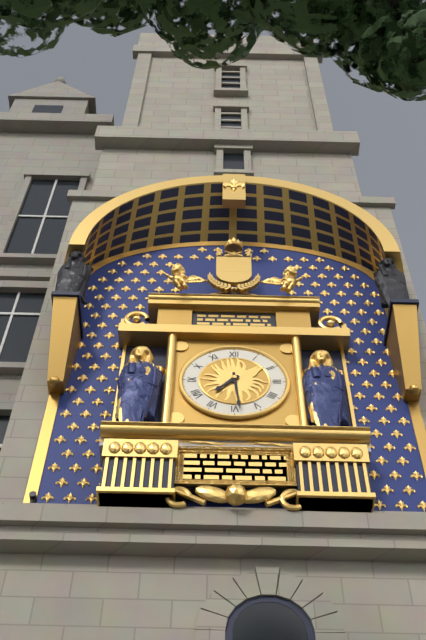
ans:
**7:29**
